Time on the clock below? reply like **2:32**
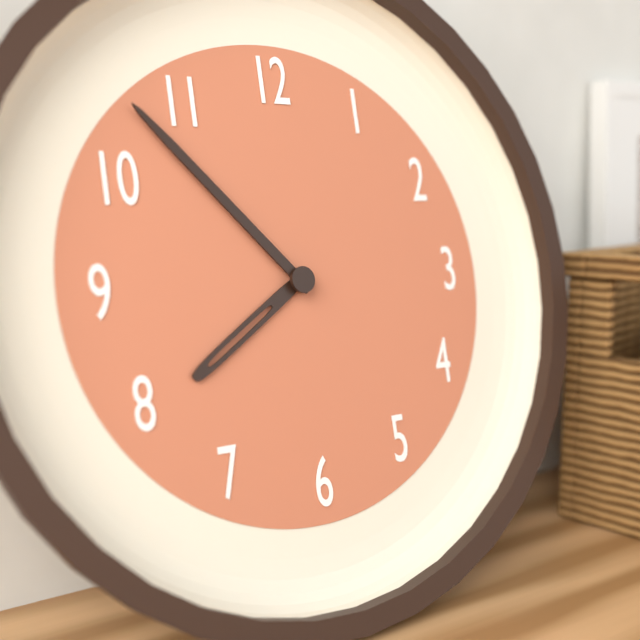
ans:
**7:53**
